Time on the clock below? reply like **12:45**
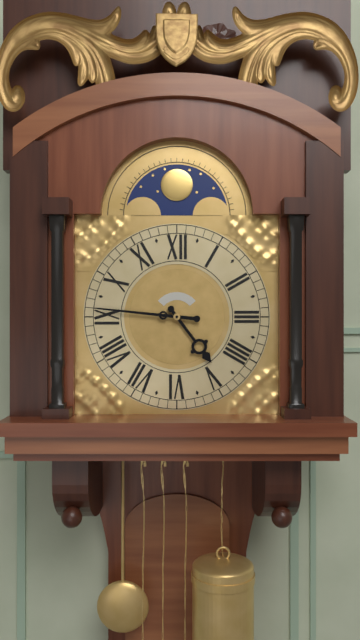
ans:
**4:46**
